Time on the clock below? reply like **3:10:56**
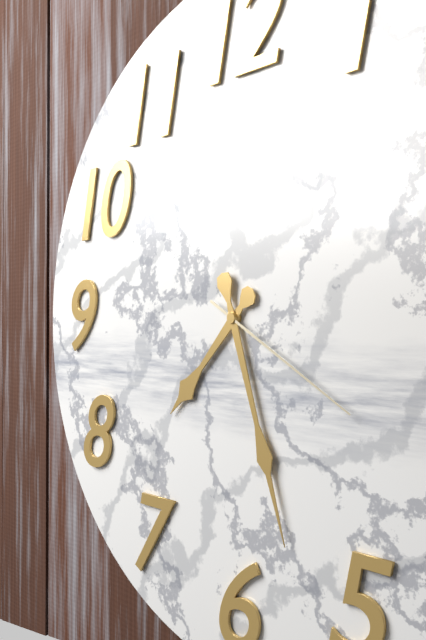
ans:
**7:27:20**
